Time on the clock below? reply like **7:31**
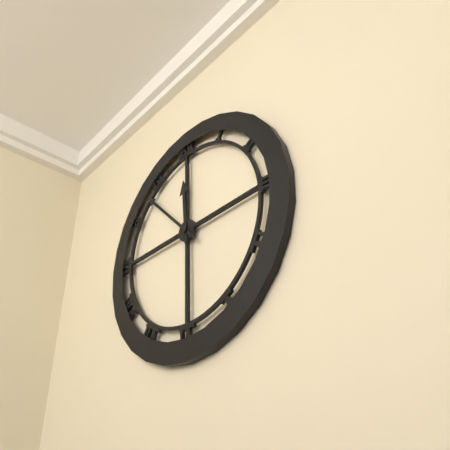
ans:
**11:53**
